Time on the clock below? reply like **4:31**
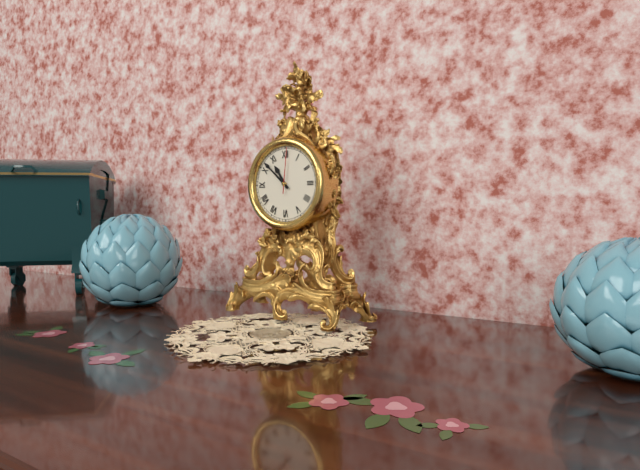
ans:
**10:52**
